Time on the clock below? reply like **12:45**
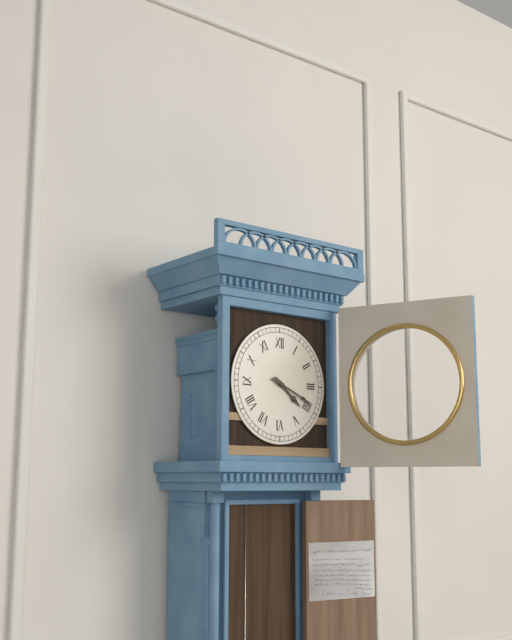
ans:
**4:19**
